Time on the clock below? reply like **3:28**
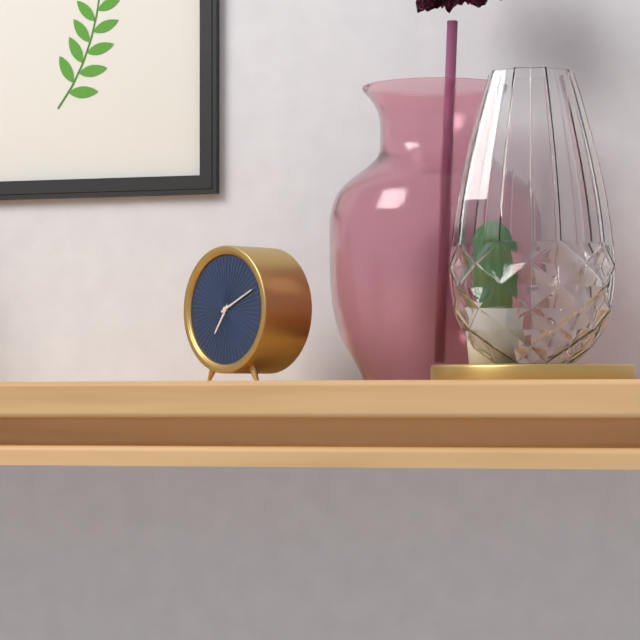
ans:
**7:11**
